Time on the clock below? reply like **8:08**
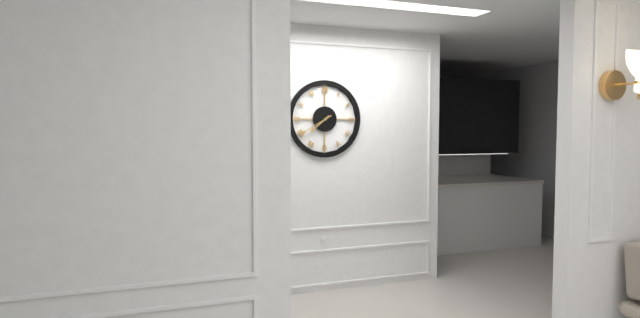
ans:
**7:40**
